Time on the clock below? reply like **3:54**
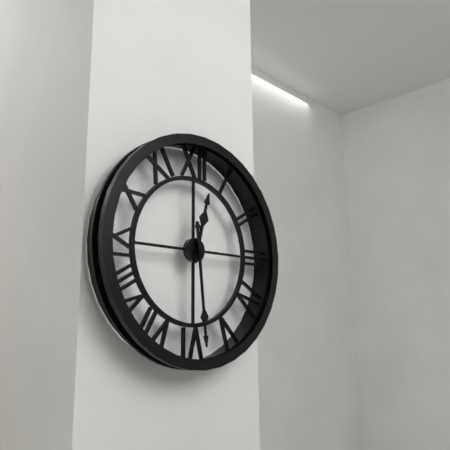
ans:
**12:29**
